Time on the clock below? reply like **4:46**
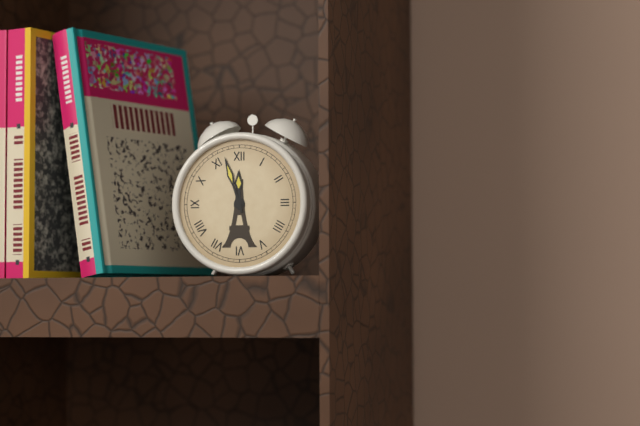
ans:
**11:57**
